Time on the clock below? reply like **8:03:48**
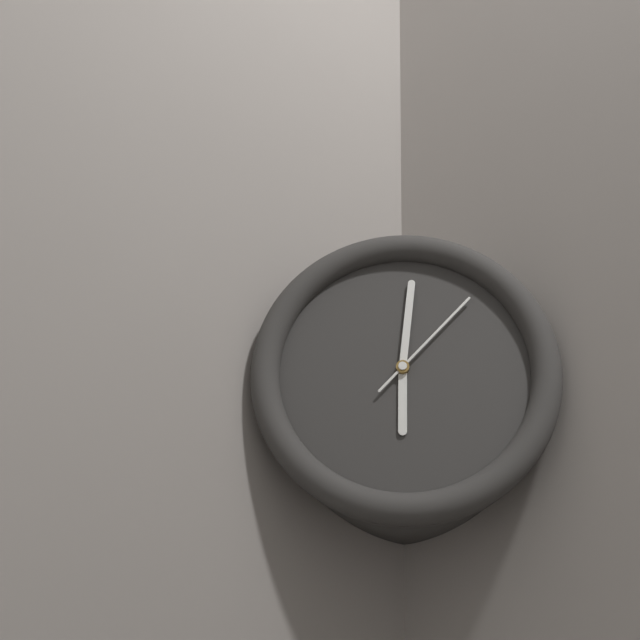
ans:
**6:01:07**
